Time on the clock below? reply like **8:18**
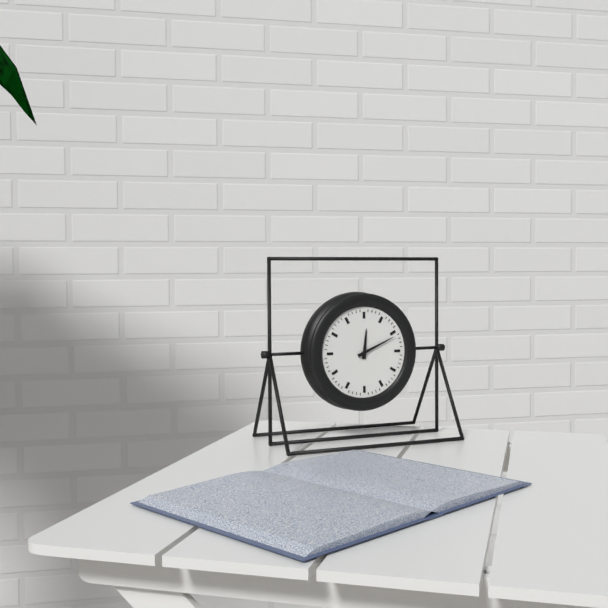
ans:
**12:11**
